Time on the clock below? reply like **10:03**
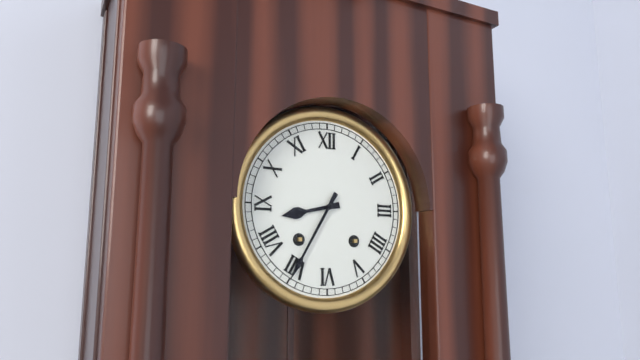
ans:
**8:35**
